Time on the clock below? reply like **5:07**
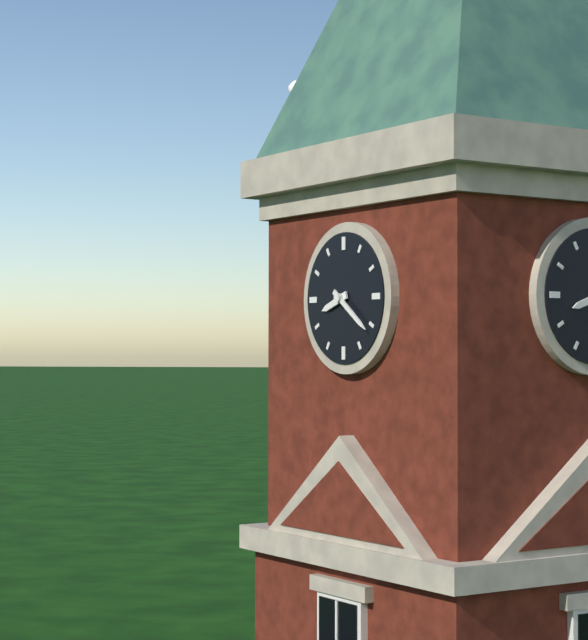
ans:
**8:21**
